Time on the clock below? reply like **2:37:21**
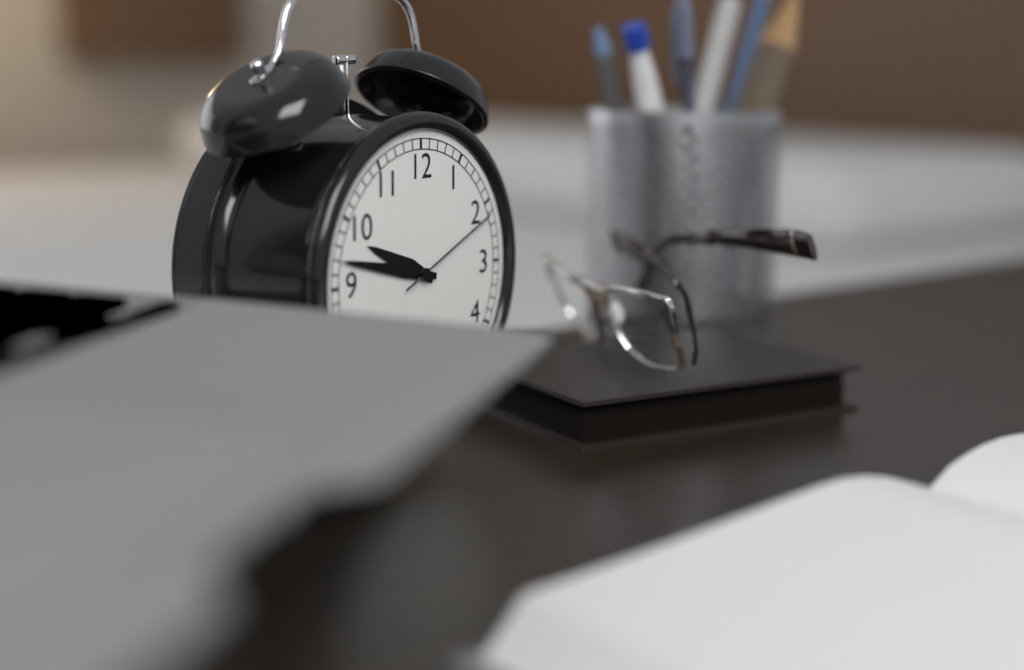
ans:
**9:47:11**
